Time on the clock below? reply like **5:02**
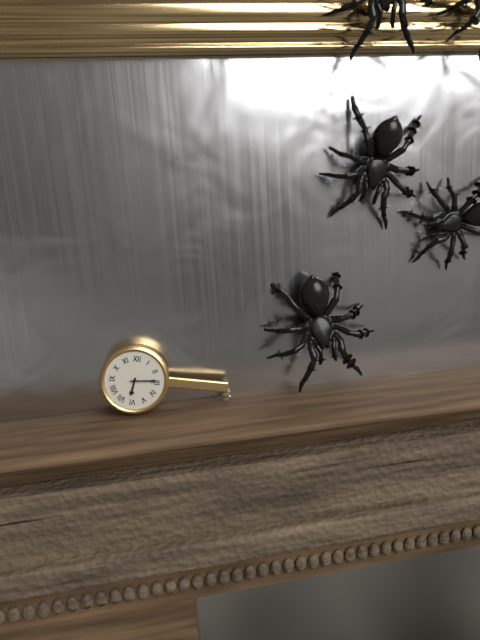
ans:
**6:14**
